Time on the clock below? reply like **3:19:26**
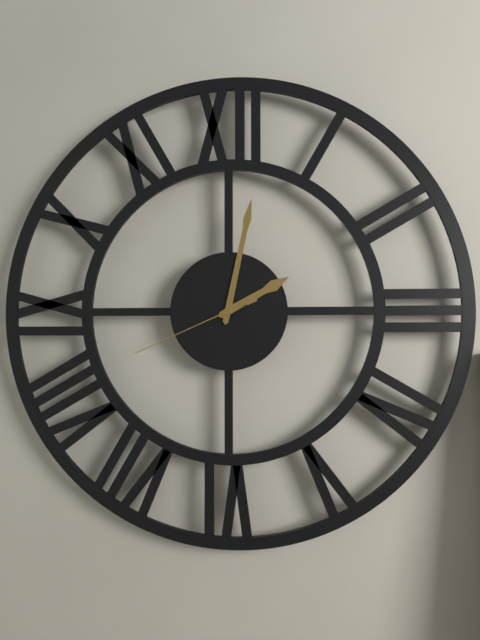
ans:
**2:02:41**
